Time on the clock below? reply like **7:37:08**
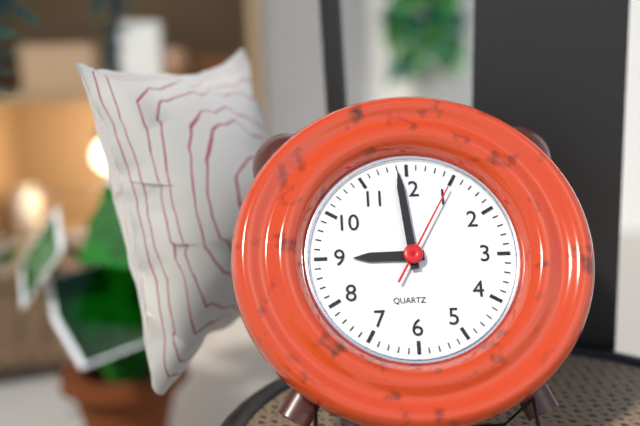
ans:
**8:59:05**
